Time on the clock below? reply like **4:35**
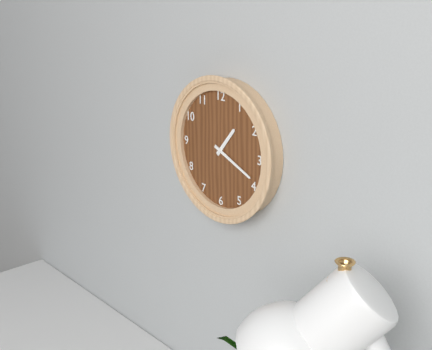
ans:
**1:19**
